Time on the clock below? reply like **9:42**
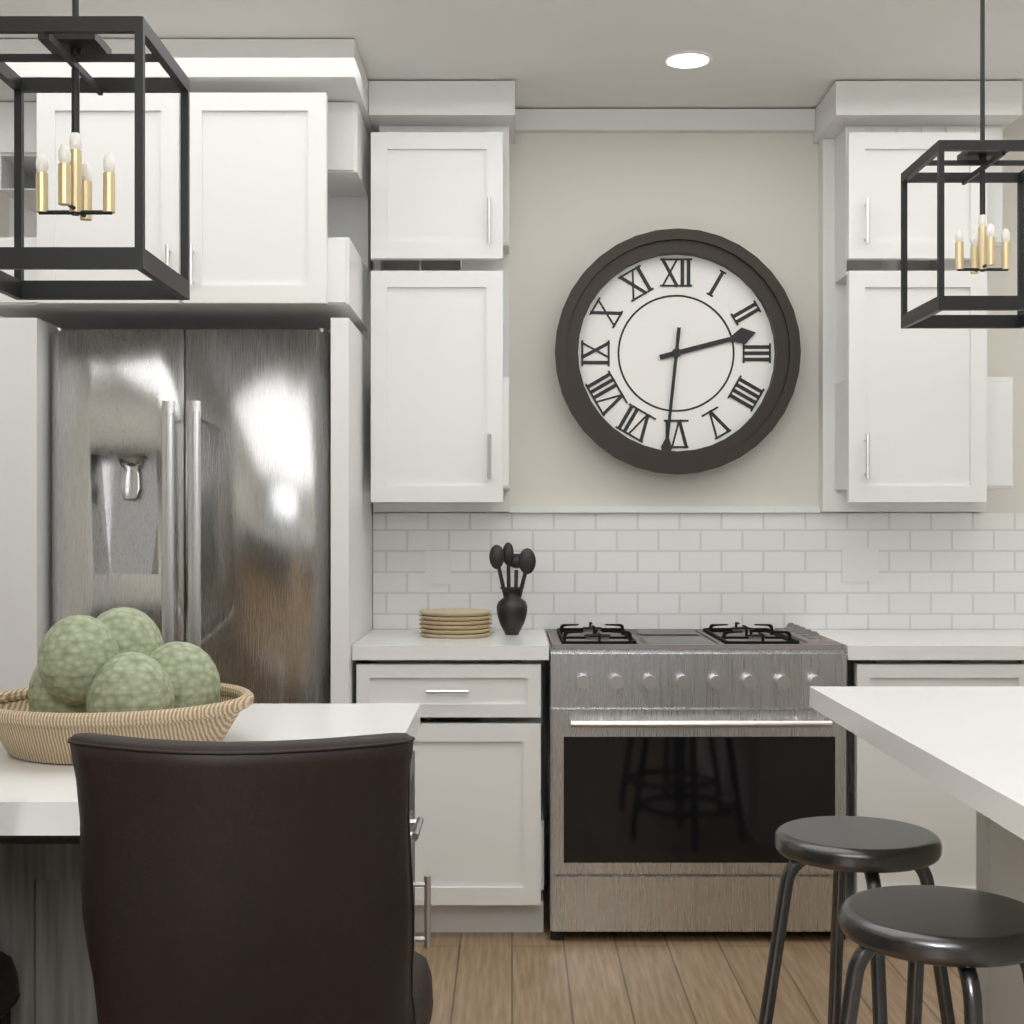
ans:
**2:31**
